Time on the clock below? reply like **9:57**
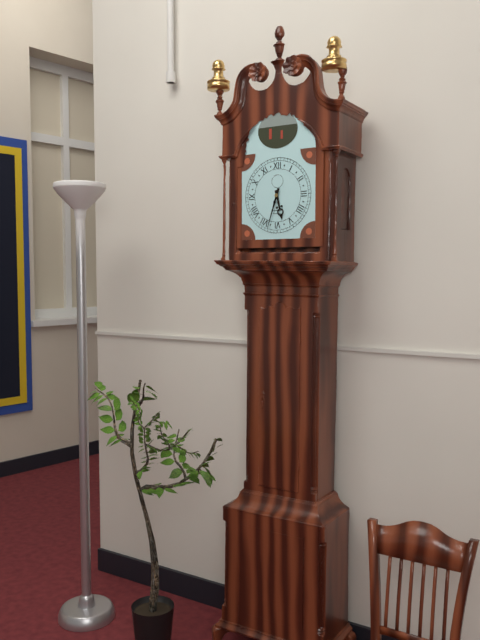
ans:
**5:33**
